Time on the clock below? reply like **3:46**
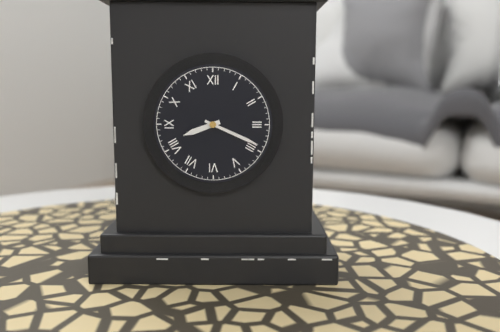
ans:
**8:19**
